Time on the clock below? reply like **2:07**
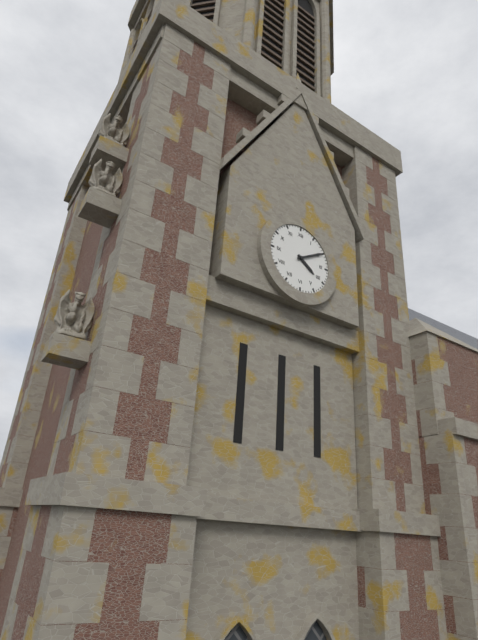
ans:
**4:10**
